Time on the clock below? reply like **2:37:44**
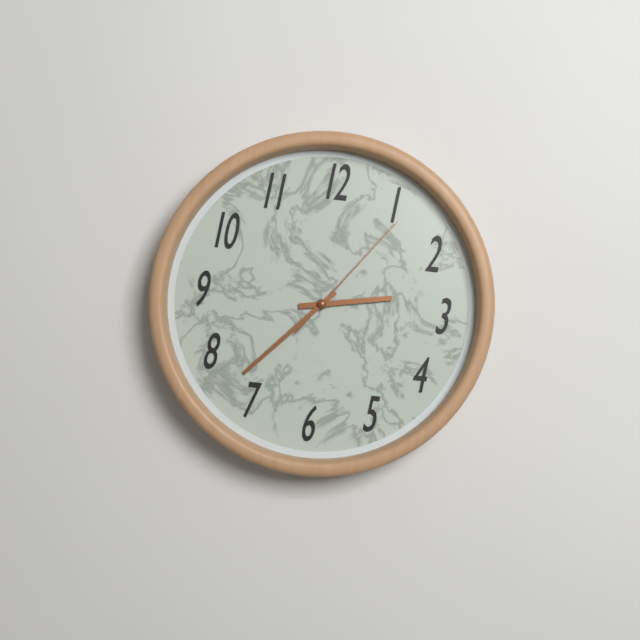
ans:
**2:37:06**
